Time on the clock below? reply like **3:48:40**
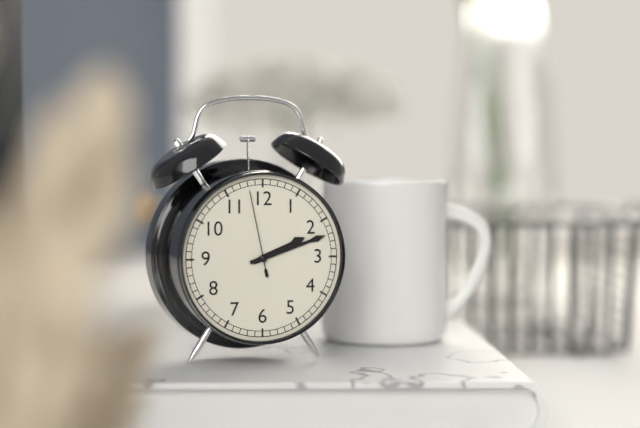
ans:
**2:12:58**
